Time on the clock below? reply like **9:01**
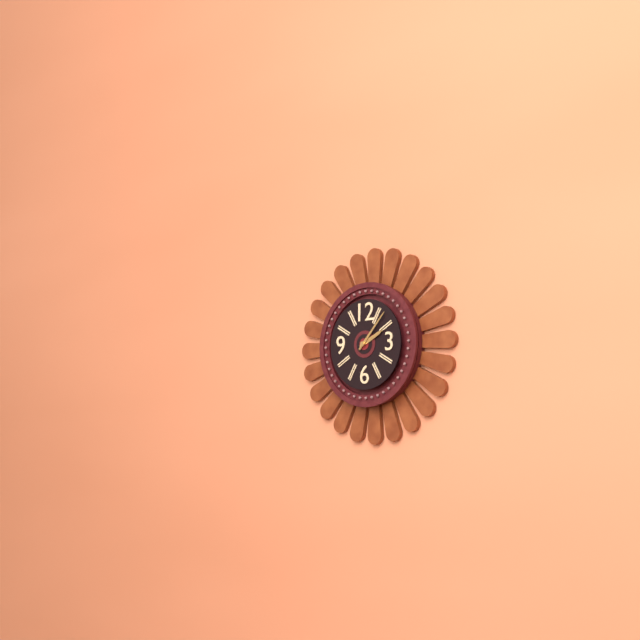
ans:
**2:07**
